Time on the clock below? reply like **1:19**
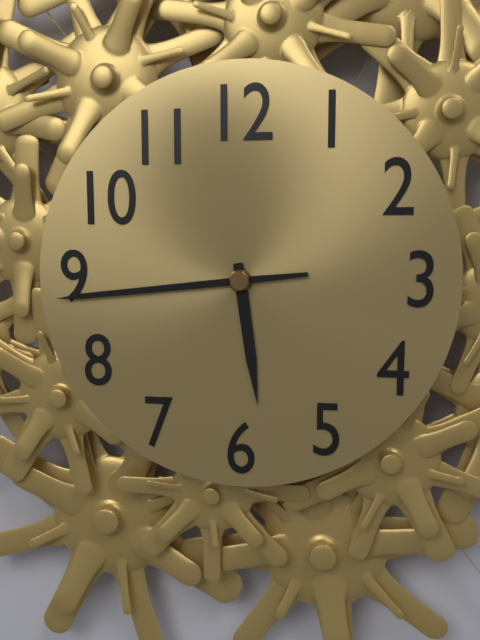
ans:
**5:44**
